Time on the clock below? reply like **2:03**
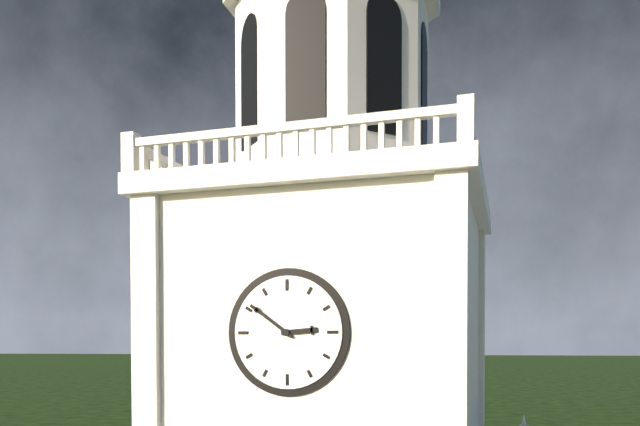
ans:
**2:51**
